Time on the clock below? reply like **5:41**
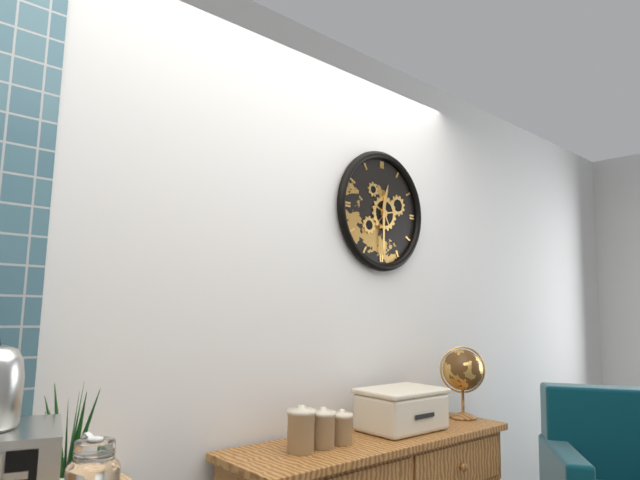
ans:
**12:30**
